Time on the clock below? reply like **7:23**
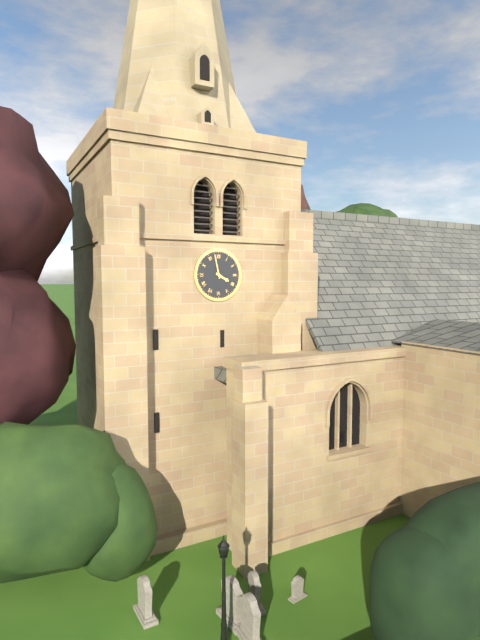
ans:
**3:58**
